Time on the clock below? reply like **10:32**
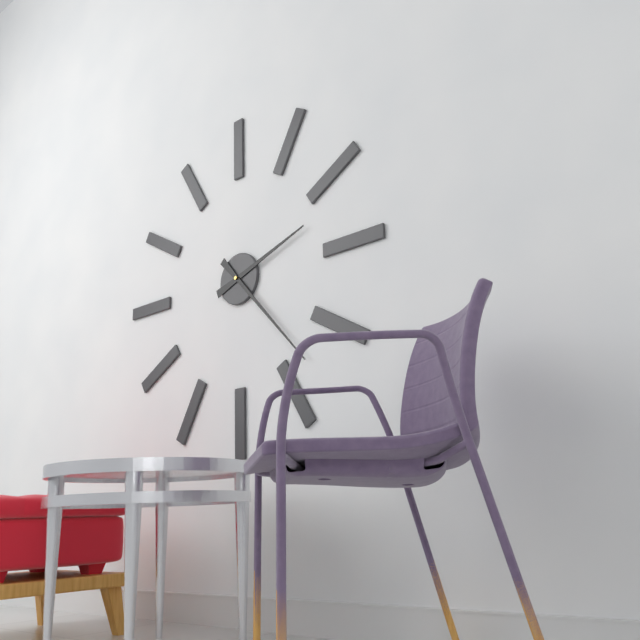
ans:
**2:23**
